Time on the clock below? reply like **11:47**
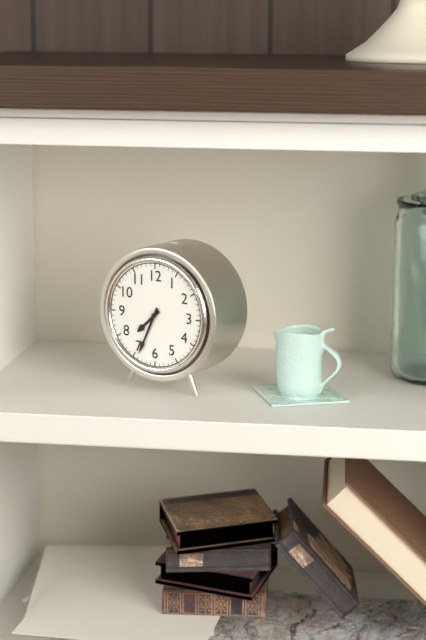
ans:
**7:34**
